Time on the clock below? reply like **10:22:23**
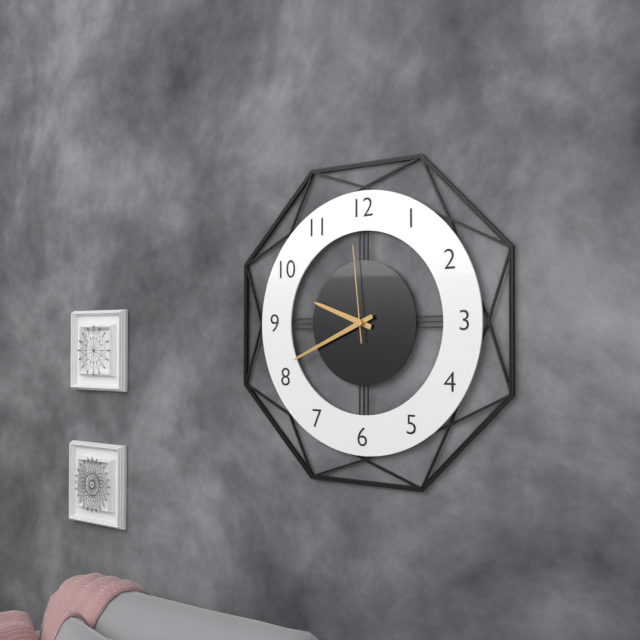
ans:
**9:41:59**
